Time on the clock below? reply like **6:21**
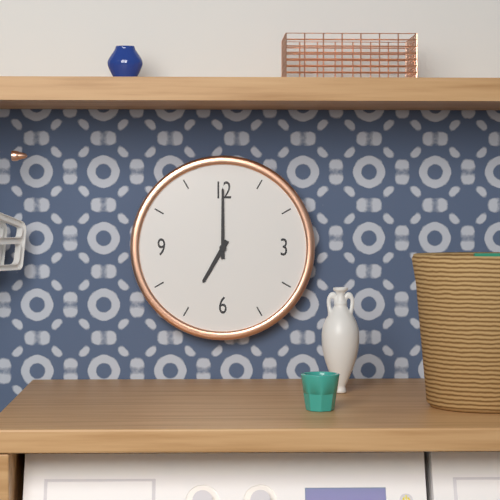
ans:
**7:00**
